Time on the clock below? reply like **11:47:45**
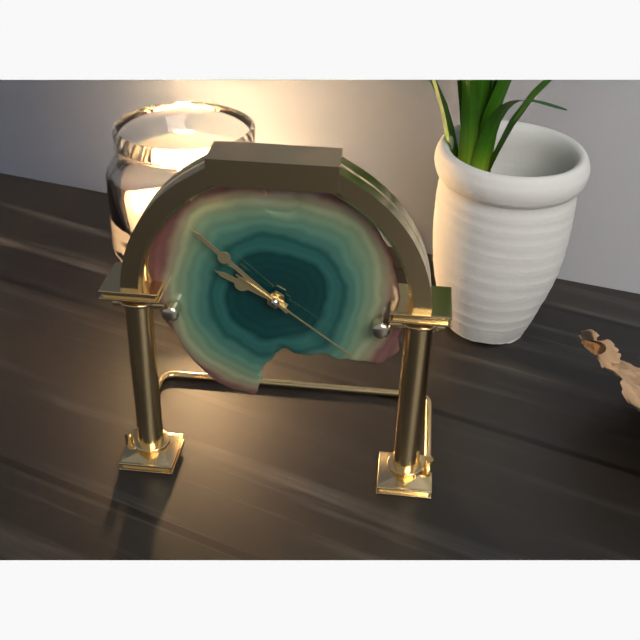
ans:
**9:52:21**
